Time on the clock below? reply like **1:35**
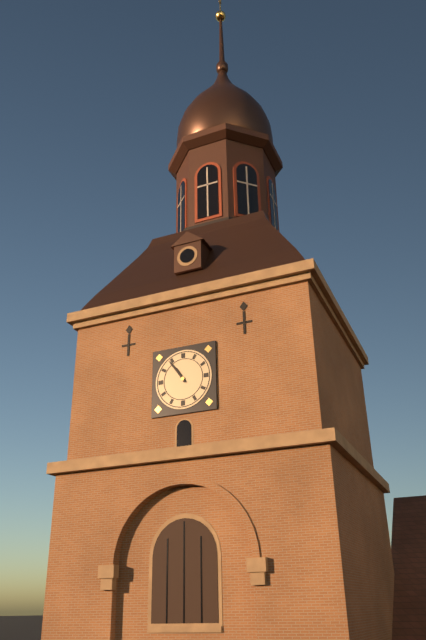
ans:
**10:54**
